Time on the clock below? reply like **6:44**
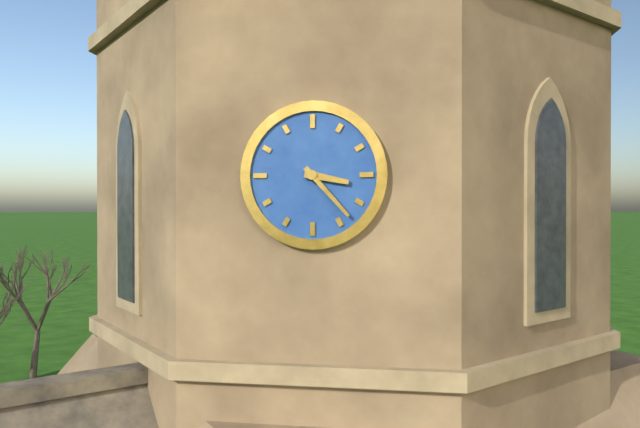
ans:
**3:23**
